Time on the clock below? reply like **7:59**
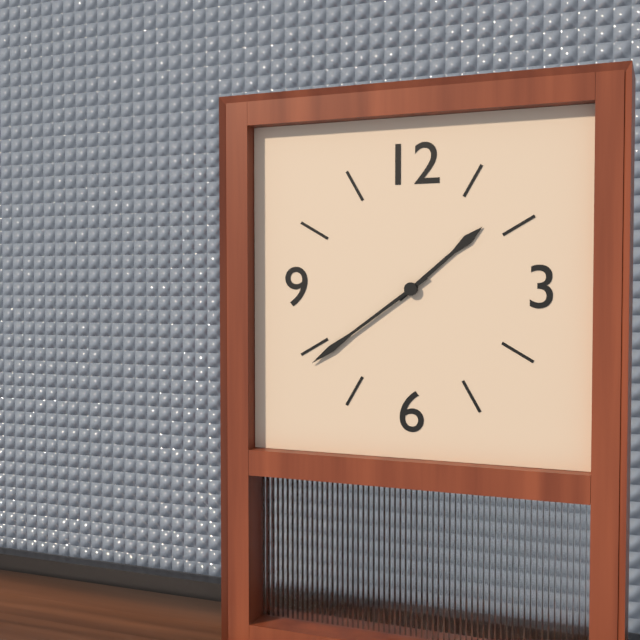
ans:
**1:39**
